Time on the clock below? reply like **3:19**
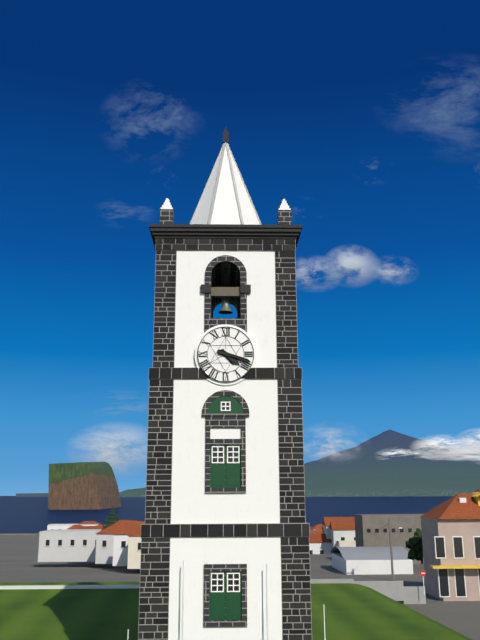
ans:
**4:18**
